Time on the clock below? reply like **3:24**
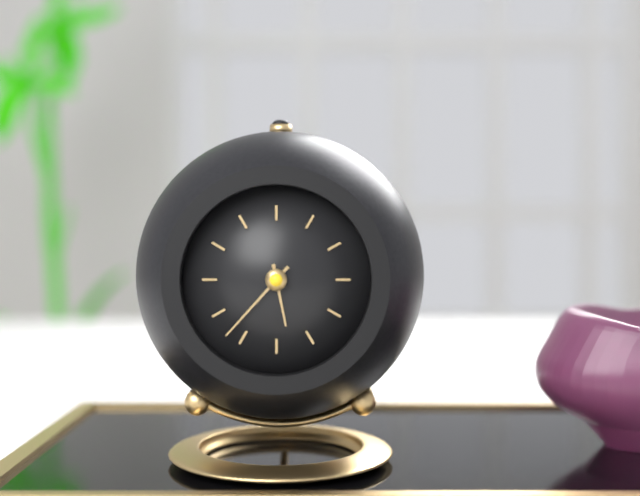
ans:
**5:37**
